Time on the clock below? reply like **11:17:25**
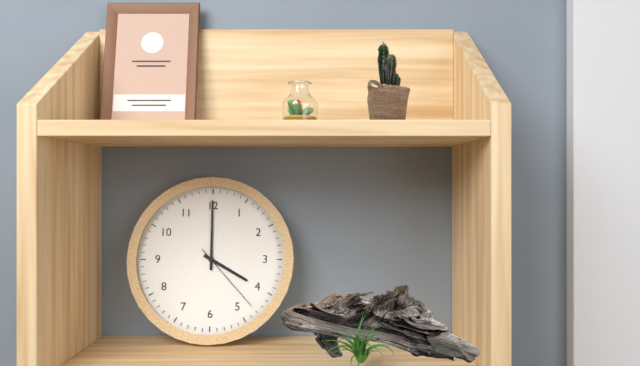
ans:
**4:00:23**
